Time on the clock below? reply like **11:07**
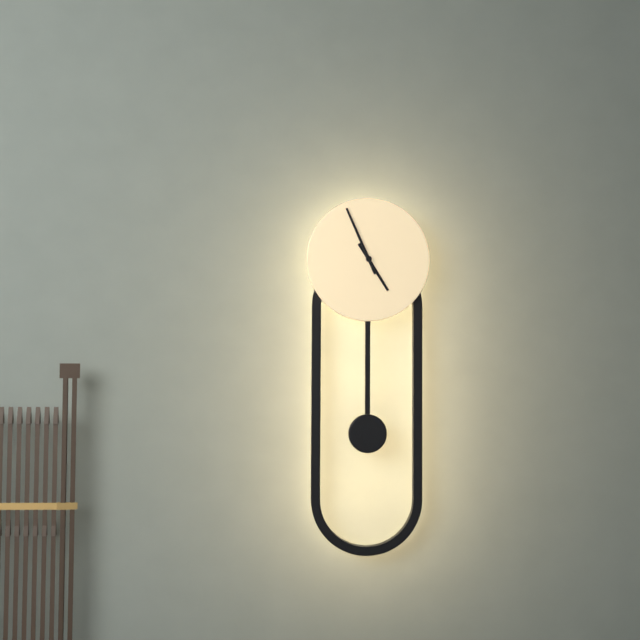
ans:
**4:56**
